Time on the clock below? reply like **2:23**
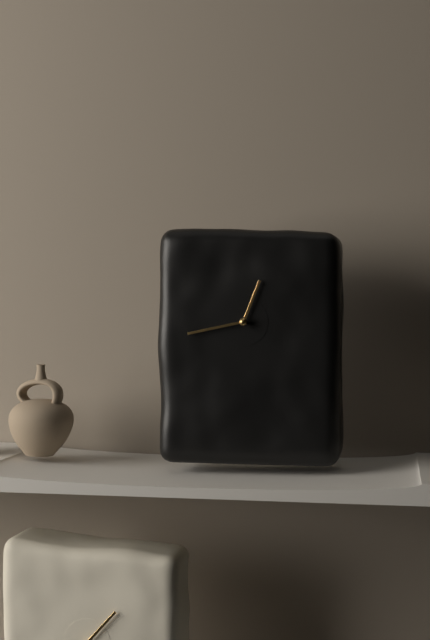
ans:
**12:43**
